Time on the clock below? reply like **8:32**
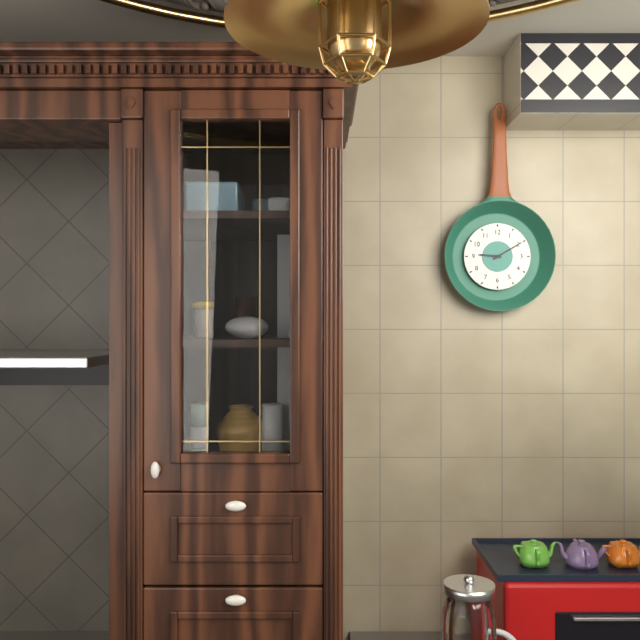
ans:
**9:10**
